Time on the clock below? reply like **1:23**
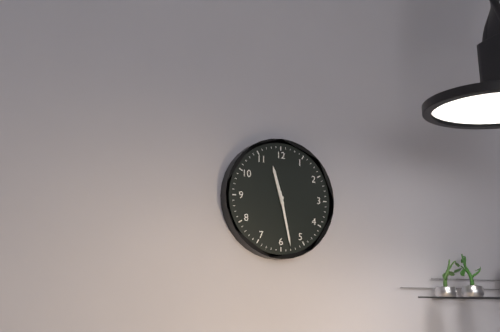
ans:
**11:28**
